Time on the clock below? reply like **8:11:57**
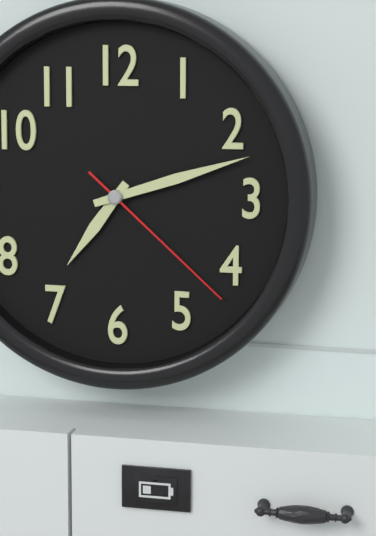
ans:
**7:12:22**
